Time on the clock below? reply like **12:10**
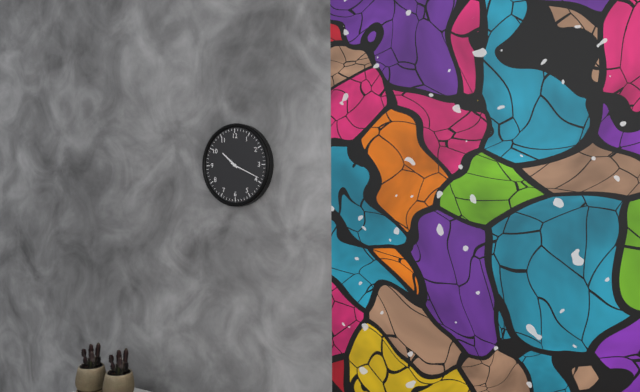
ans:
**10:19**
